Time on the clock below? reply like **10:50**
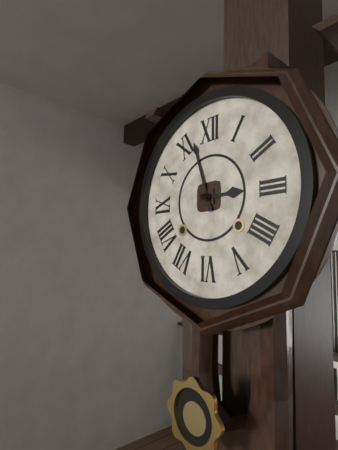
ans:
**2:57**
